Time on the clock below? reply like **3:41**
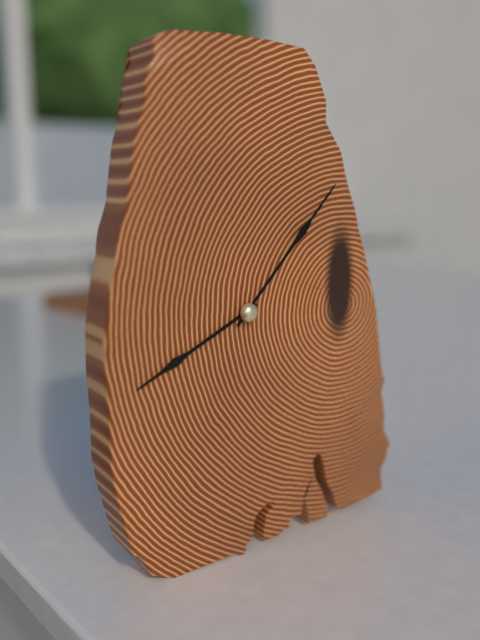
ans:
**8:07**
